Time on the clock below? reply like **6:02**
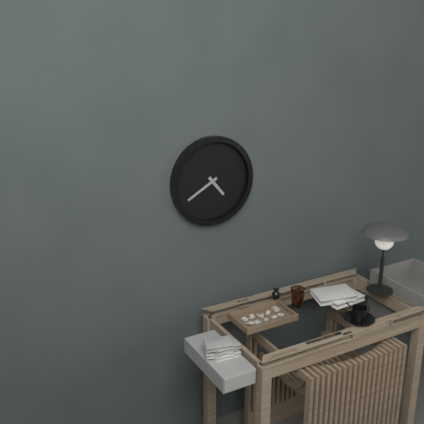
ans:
**4:40**
